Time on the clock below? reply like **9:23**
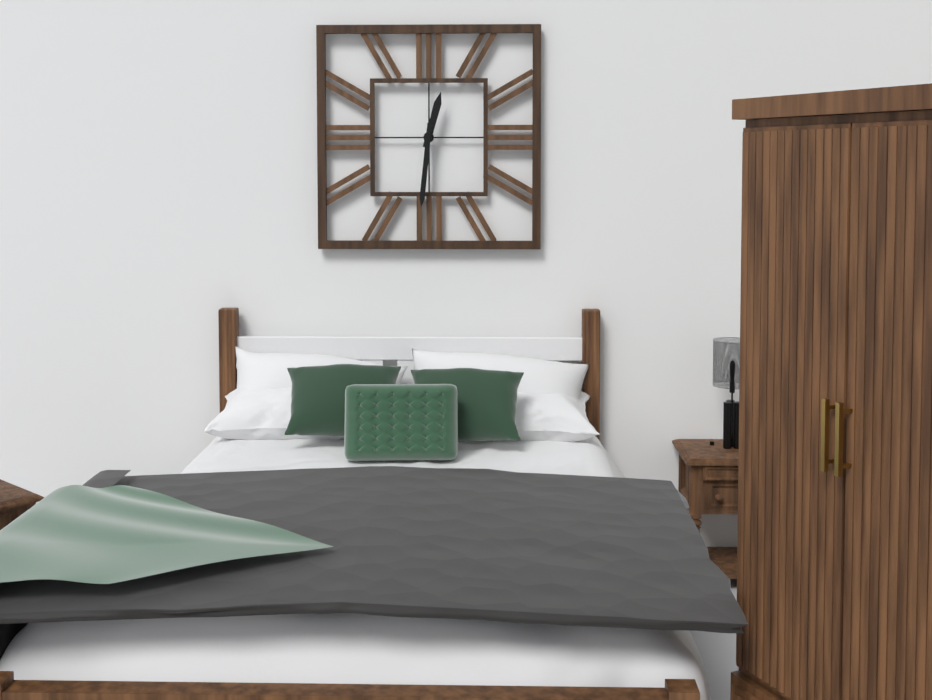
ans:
**12:31**
